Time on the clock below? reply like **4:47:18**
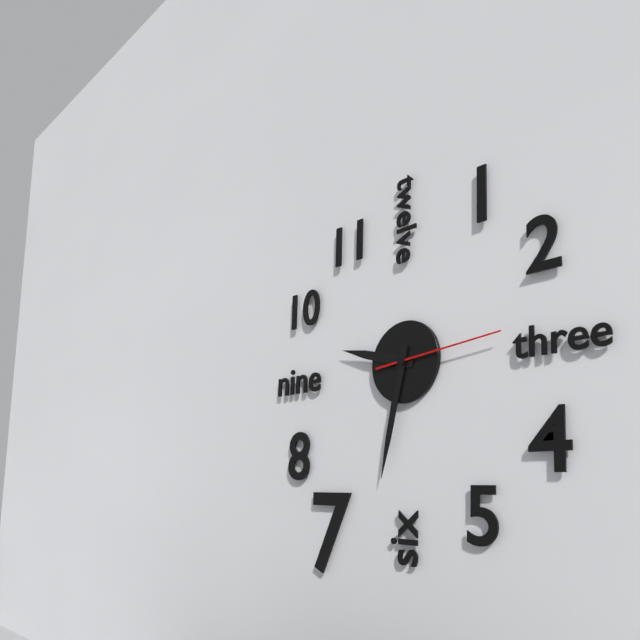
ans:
**9:32:14**
